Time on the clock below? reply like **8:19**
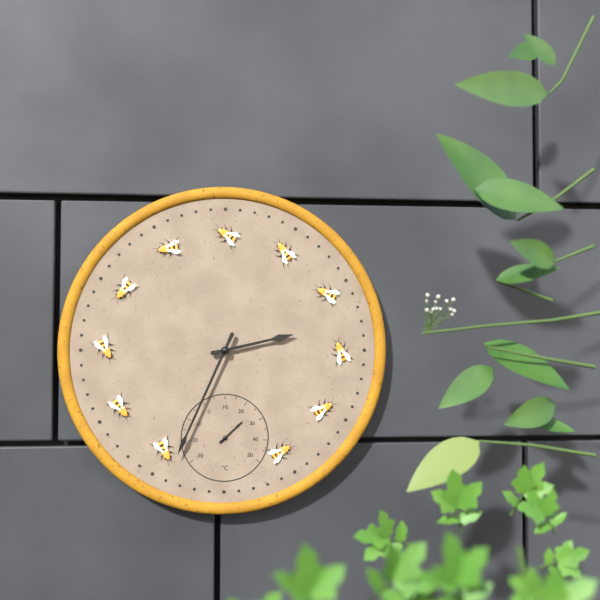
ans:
**2:34**
